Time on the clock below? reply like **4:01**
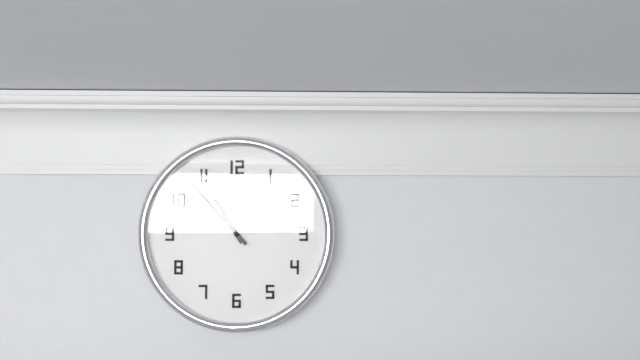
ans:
**10:53**
